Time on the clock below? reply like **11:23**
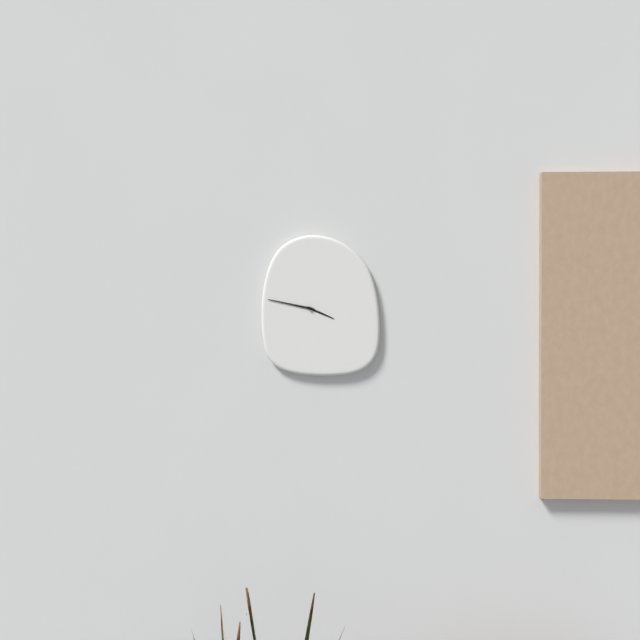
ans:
**3:47**
